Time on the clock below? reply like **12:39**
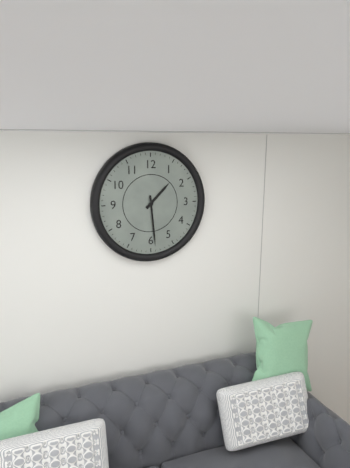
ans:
**1:29**
